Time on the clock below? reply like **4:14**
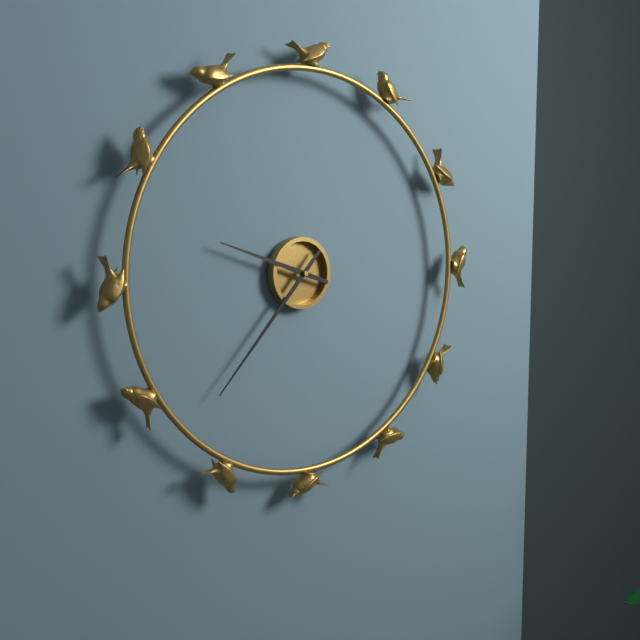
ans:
**9:37**
